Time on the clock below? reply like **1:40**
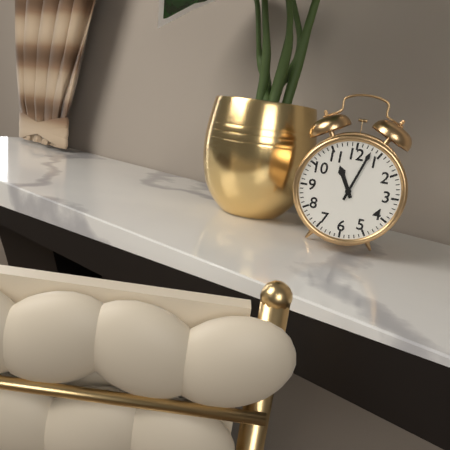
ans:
**11:03**
